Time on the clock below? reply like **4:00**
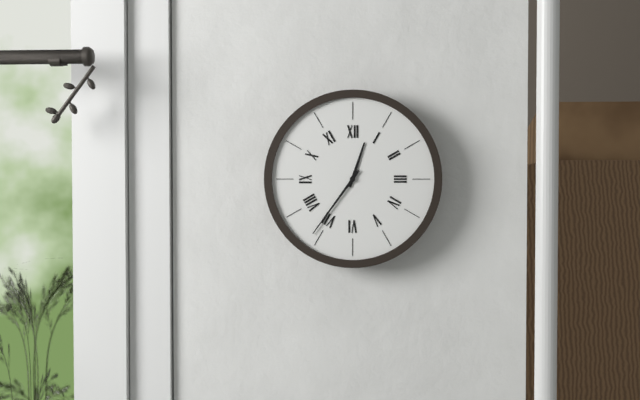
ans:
**12:36**
